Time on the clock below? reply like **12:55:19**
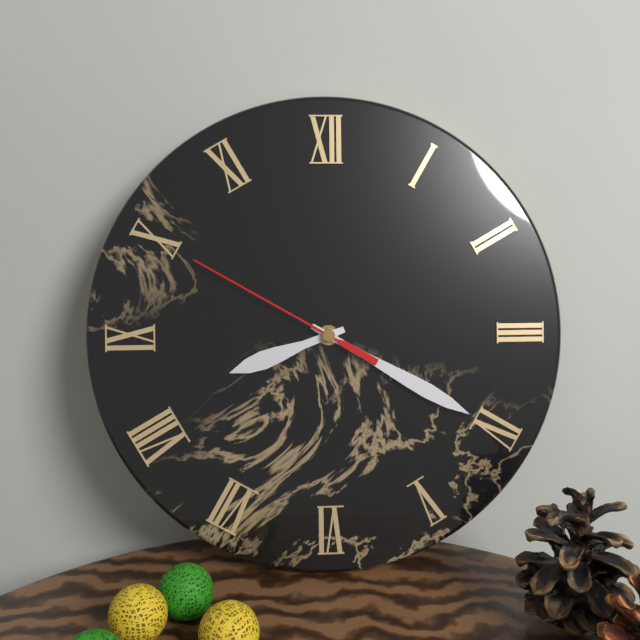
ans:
**8:20:50**
